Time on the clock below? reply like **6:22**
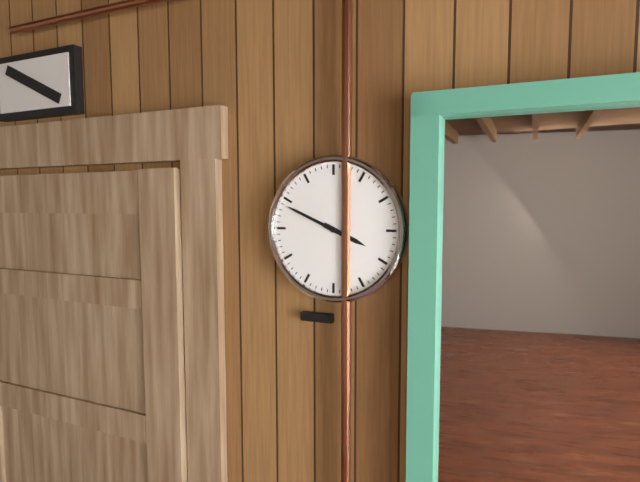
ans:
**3:49**
